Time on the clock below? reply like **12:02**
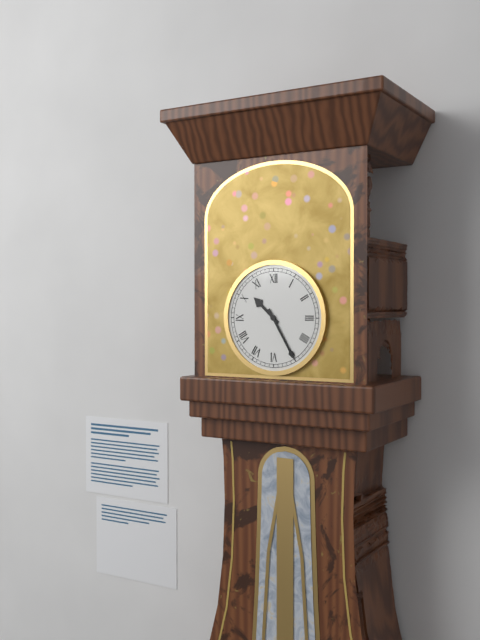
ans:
**10:25**
